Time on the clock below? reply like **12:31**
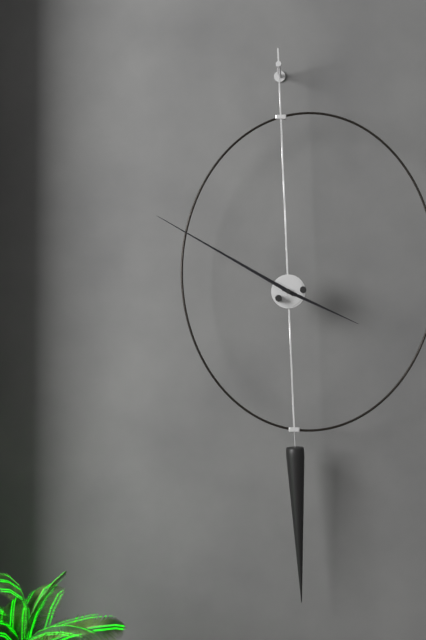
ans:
**3:50**
